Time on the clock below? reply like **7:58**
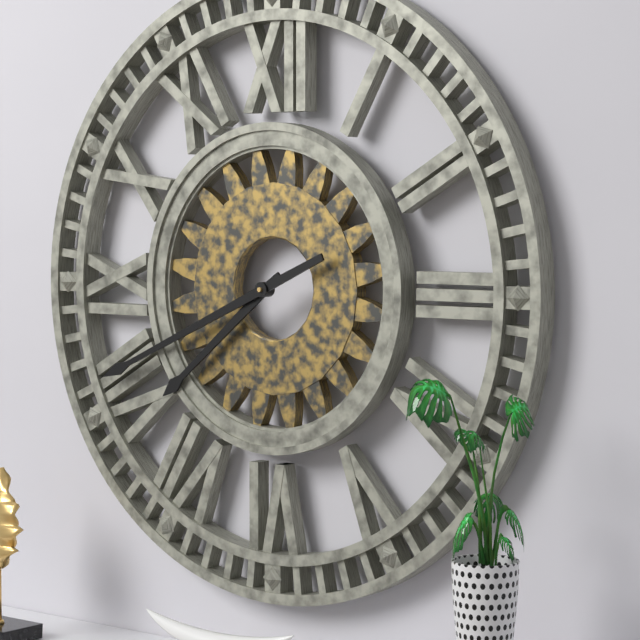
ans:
**7:41**
